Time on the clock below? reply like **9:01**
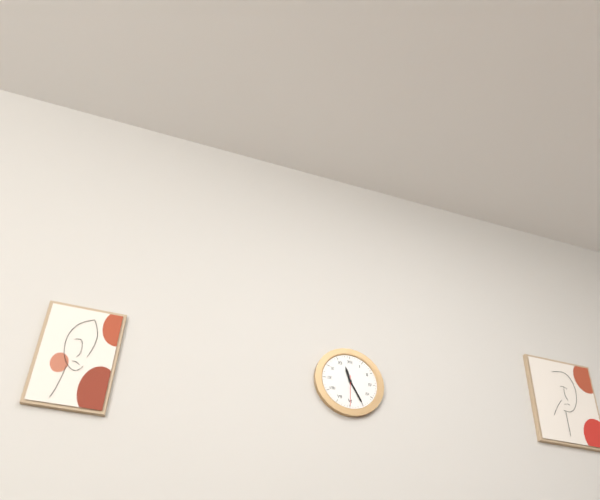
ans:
**11:25**
